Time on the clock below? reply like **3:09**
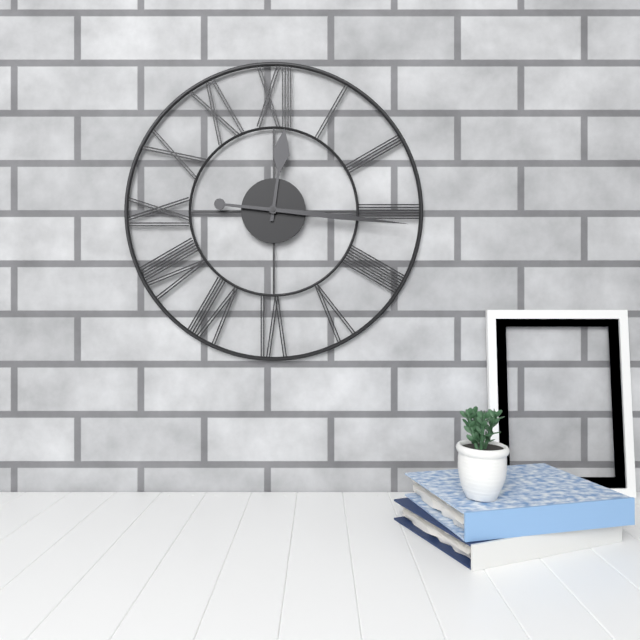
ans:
**12:16**
